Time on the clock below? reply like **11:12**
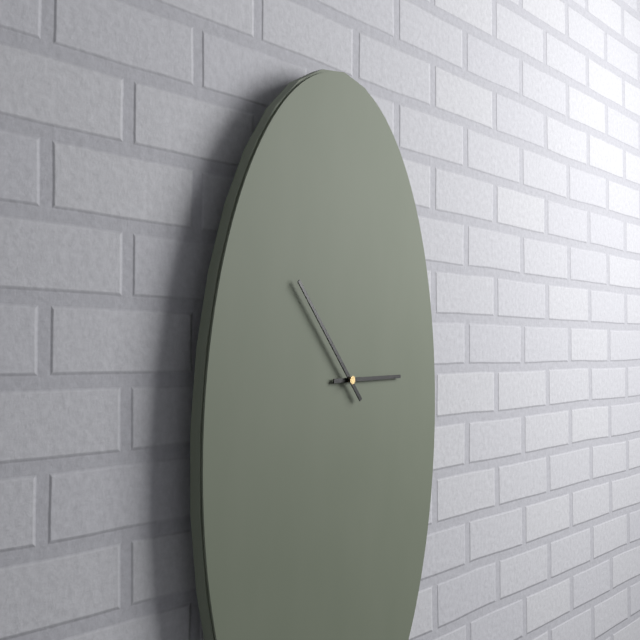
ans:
**2:53**
